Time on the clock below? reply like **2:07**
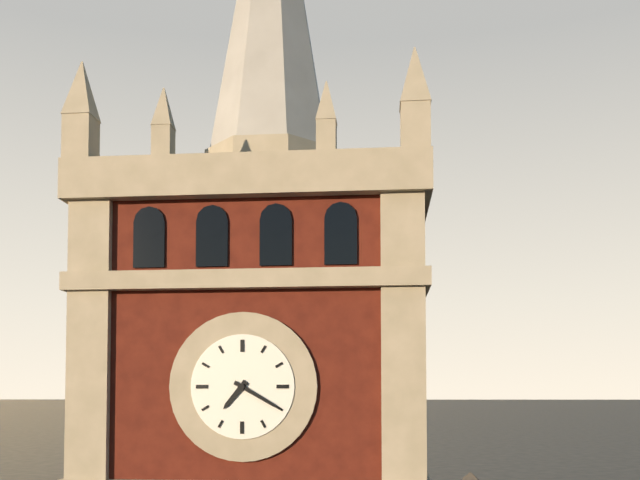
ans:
**7:20**
